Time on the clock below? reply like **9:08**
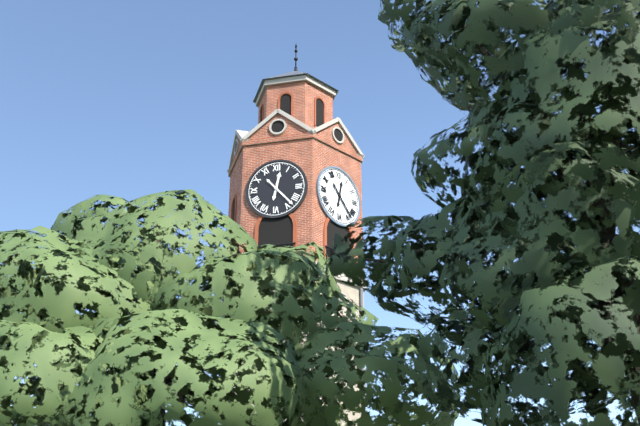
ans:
**12:23**
